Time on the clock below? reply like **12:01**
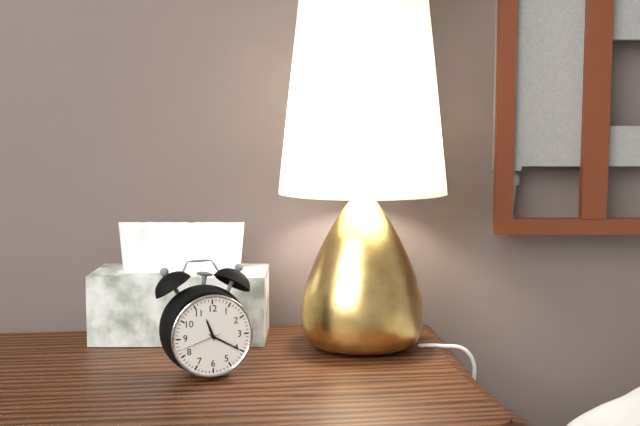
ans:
**11:20**
